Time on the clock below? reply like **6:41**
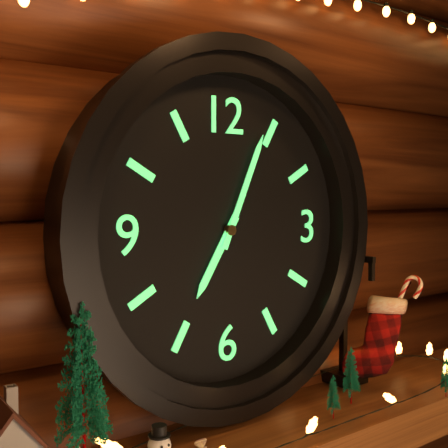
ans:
**7:04**
